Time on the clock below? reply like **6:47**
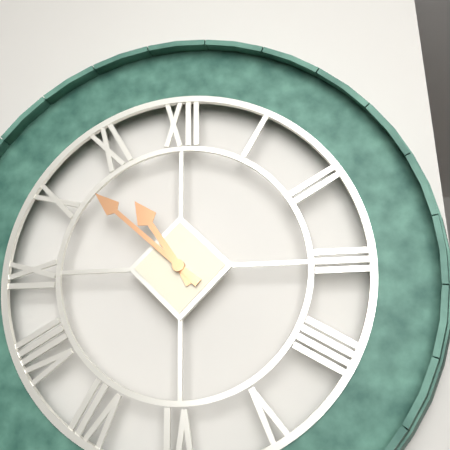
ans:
**10:52**
